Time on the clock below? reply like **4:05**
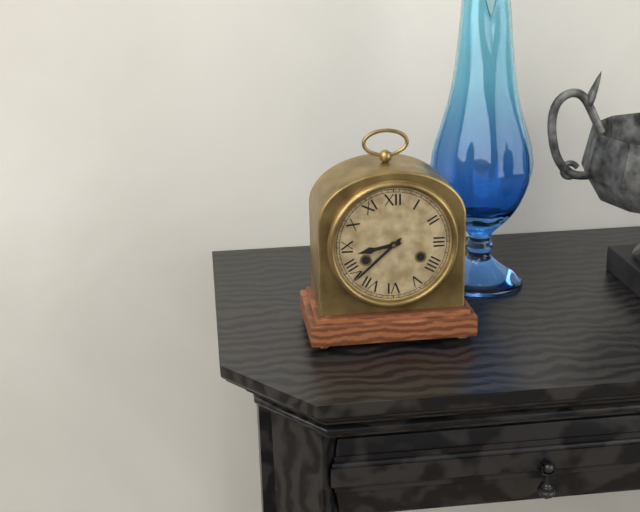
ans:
**8:38**
